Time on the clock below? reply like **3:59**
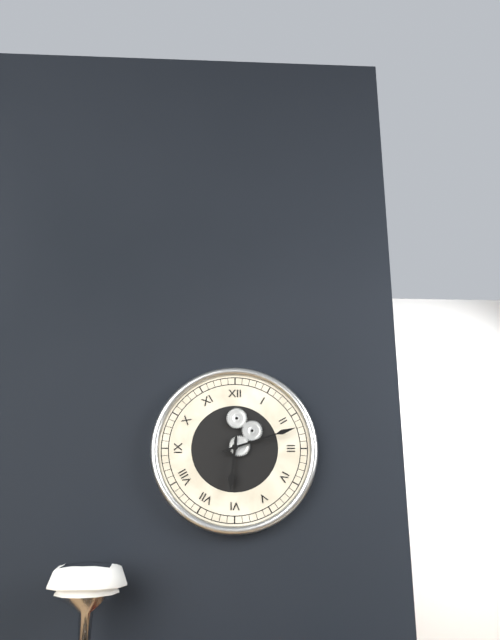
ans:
**6:12**
